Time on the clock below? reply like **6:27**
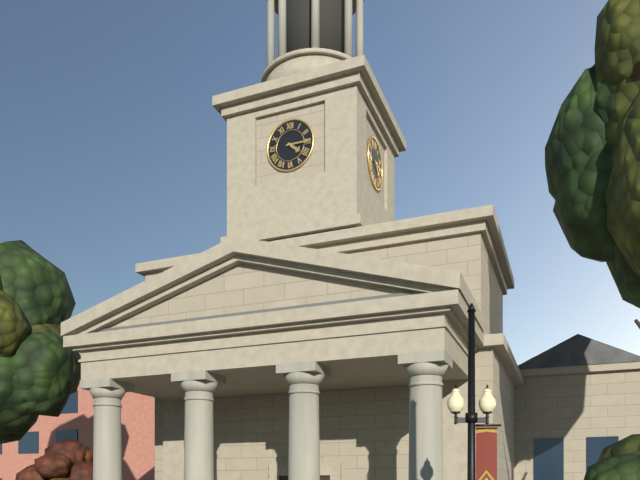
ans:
**4:15**
